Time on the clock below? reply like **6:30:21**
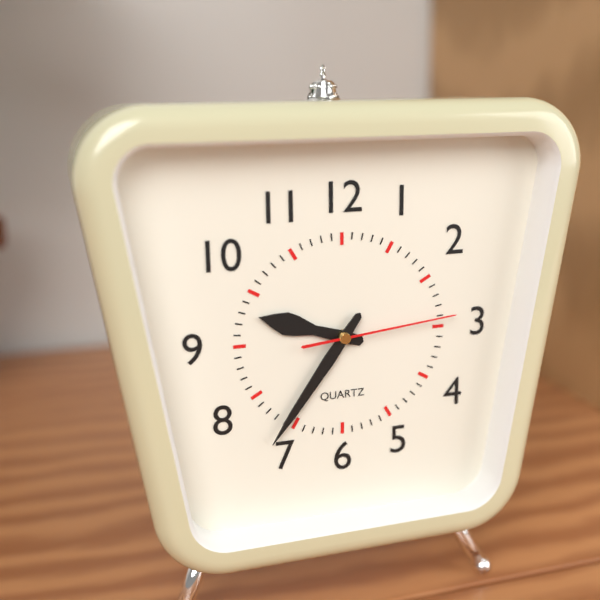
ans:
**9:36:14**
